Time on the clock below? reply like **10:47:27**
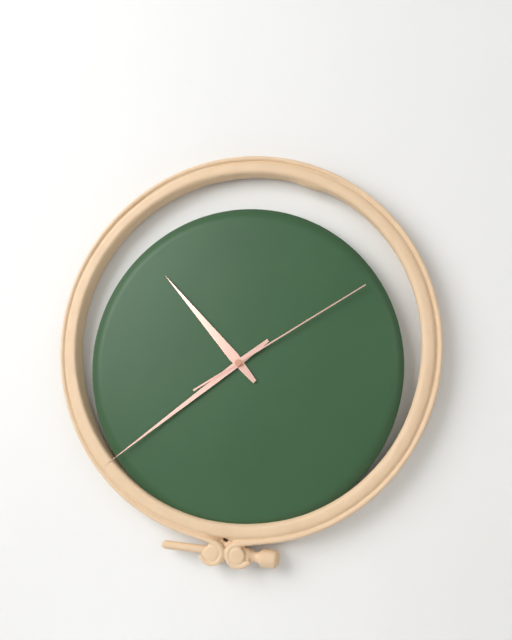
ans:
**10:39:10**
